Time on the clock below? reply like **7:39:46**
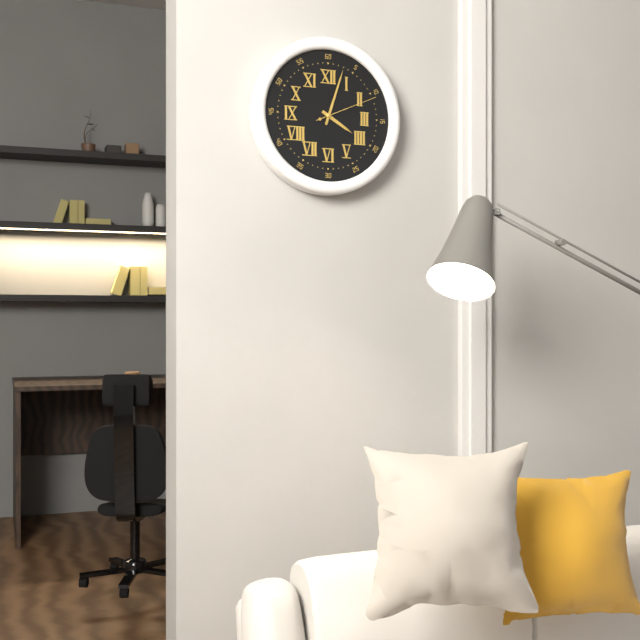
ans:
**4:03:11**
